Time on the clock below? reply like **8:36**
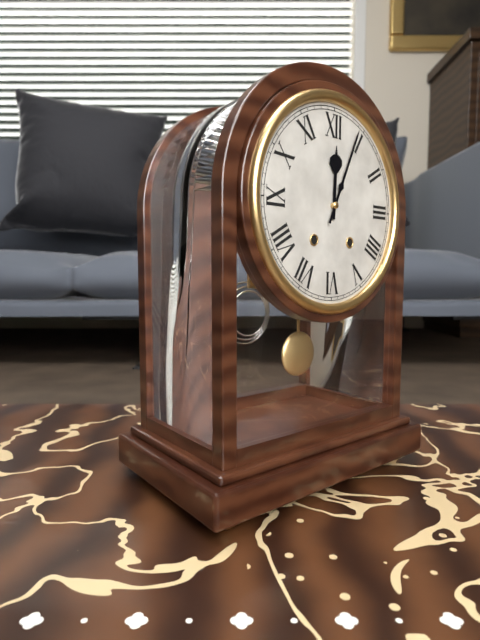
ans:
**12:04**
